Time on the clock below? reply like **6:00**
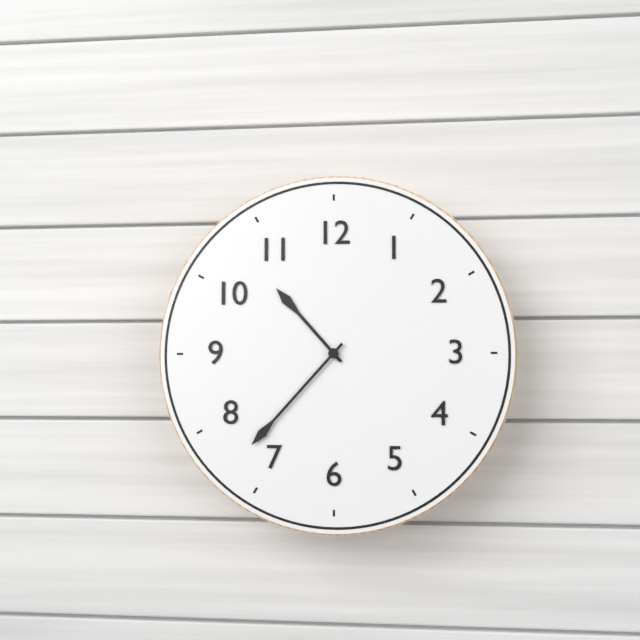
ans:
**10:37**
